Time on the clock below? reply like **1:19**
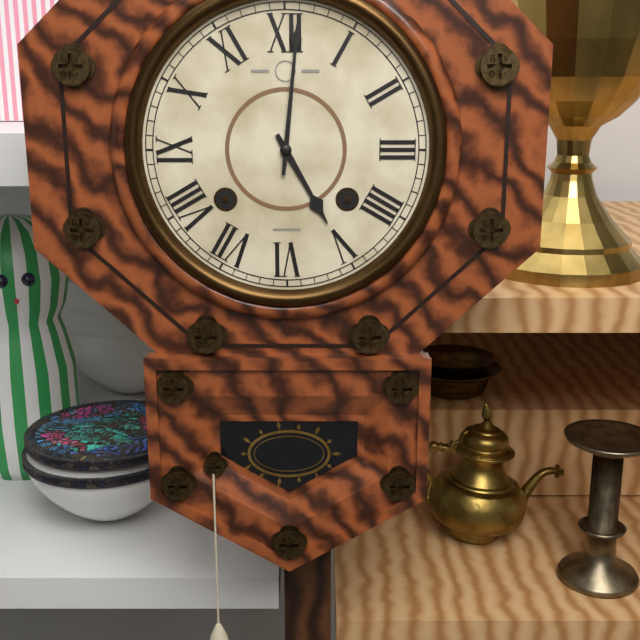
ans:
**5:01**
